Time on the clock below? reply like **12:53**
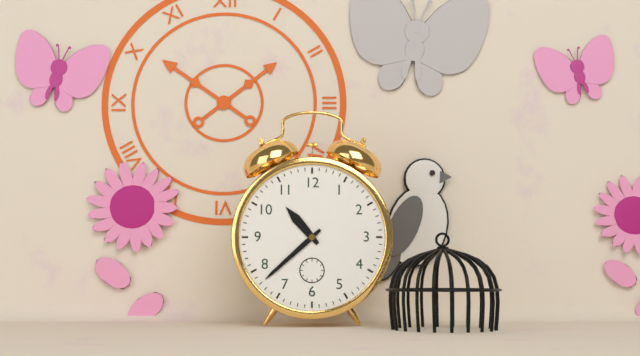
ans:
**10:38**
